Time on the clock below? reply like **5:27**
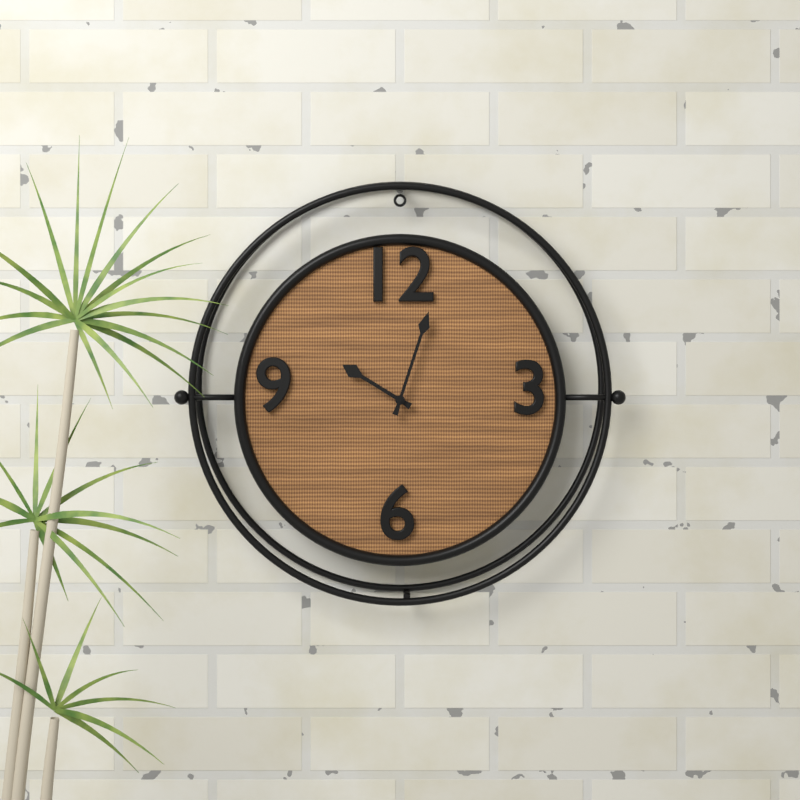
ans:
**10:03**
